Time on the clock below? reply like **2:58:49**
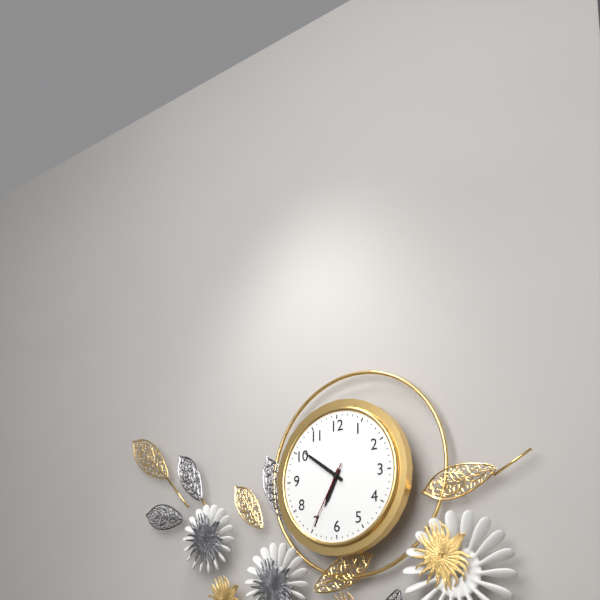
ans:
**6:51:35**
